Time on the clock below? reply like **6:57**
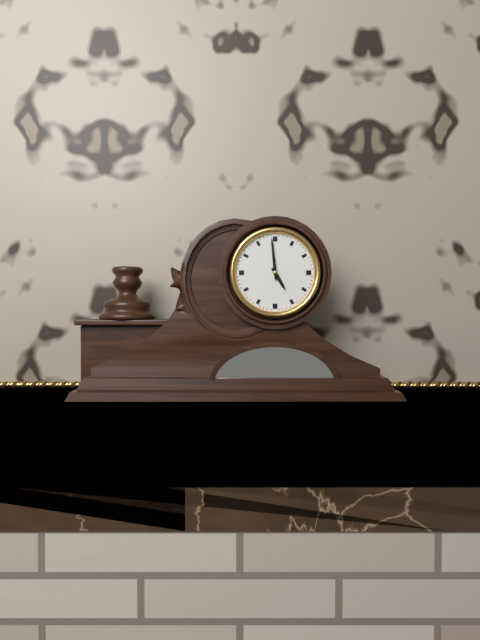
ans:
**4:59**
